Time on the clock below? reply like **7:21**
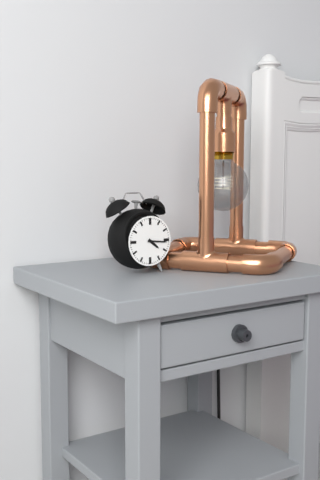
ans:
**4:16**
